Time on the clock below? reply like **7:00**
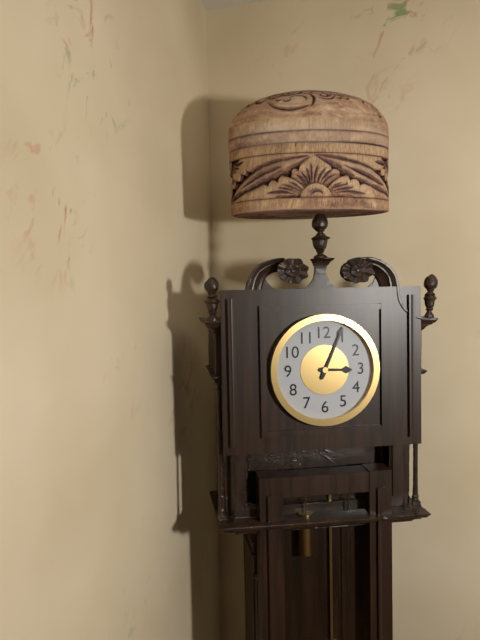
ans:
**3:04**
